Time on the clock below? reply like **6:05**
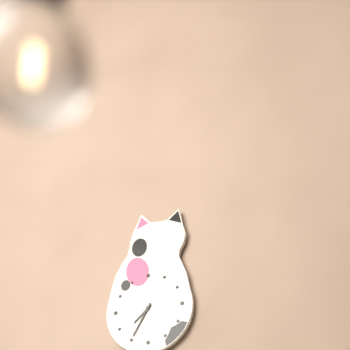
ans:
**7:35**
